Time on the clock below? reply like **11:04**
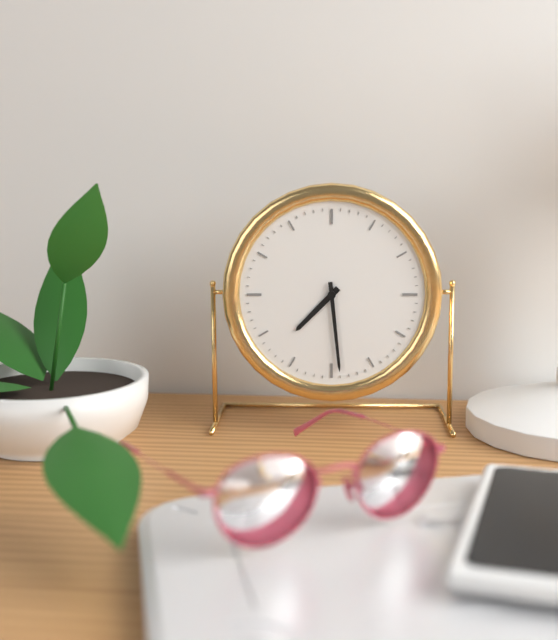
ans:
**7:29**
